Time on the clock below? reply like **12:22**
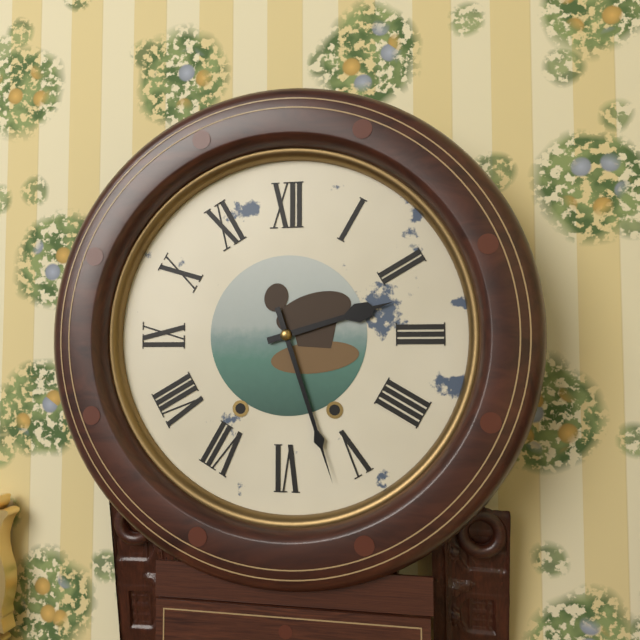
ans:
**2:27**
